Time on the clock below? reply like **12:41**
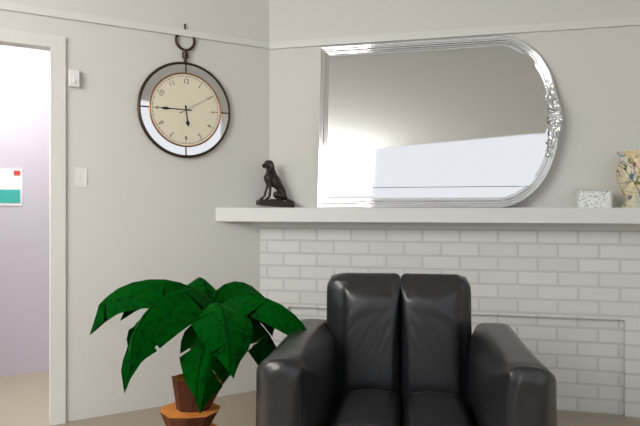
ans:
**5:45**
